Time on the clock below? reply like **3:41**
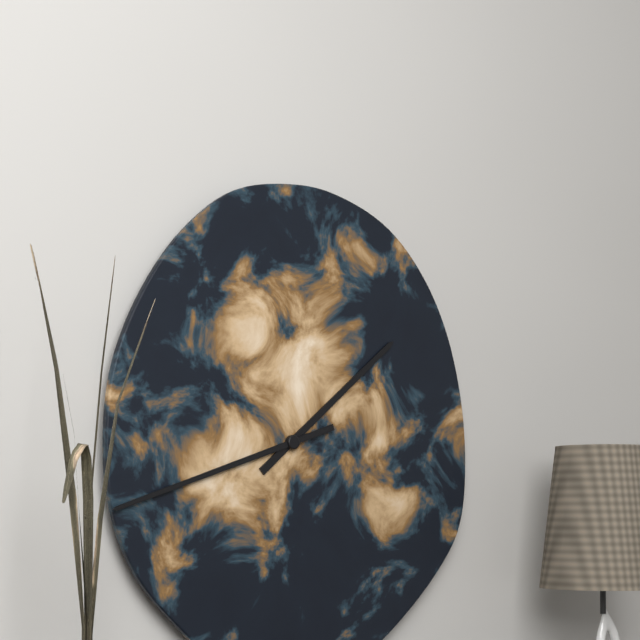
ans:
**1:42**
